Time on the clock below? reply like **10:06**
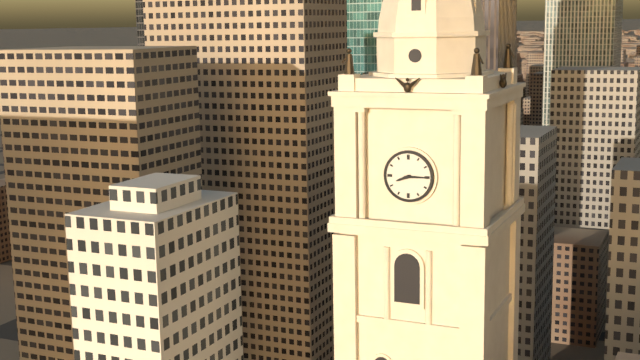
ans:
**8:15**
